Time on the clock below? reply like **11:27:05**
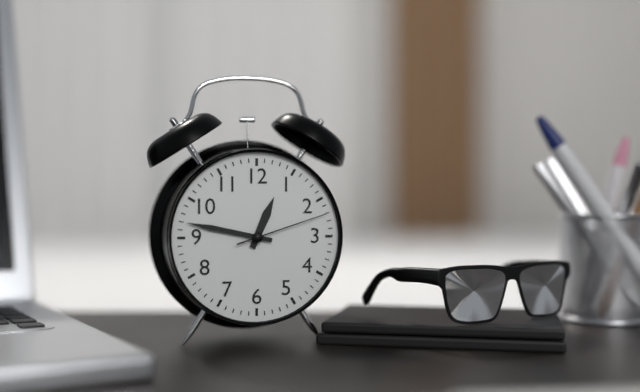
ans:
**12:47:12**
